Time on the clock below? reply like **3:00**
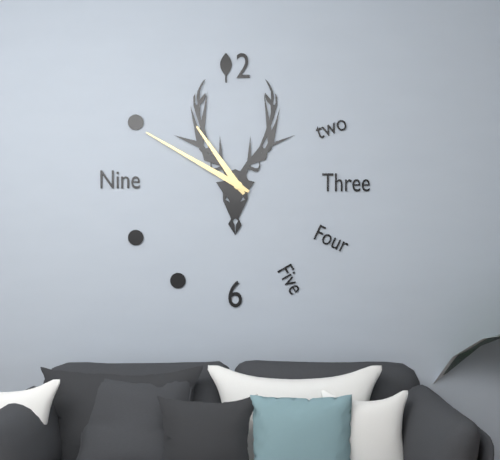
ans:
**10:50**
